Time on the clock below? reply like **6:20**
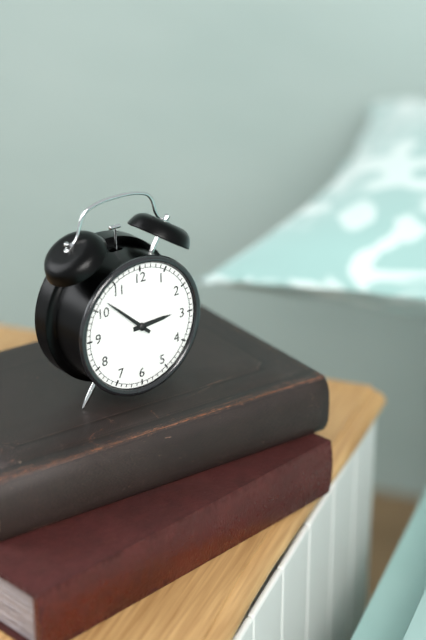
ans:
**2:52**
